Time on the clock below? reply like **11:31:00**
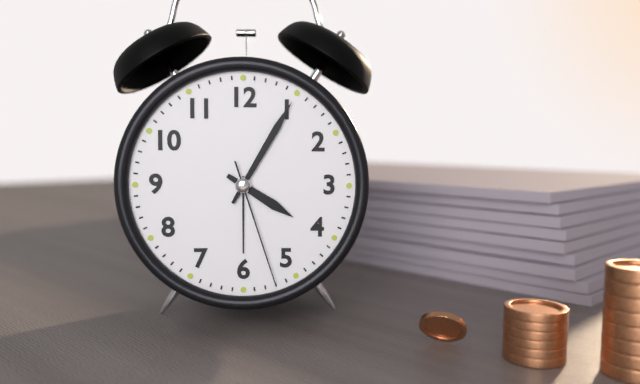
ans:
**4:05:27**
